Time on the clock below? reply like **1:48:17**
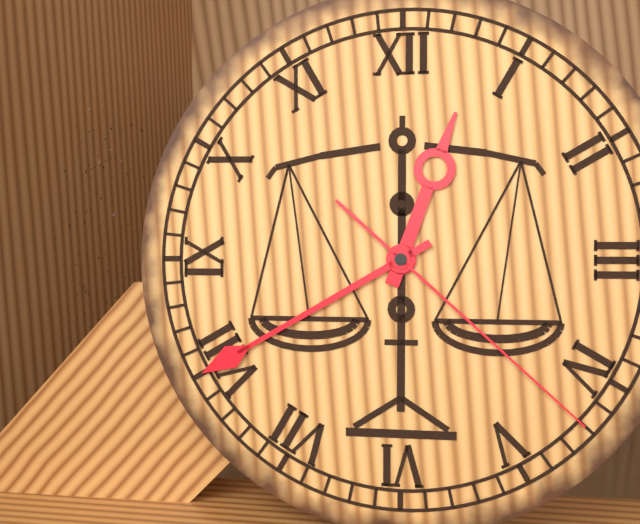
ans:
**12:40:22**
